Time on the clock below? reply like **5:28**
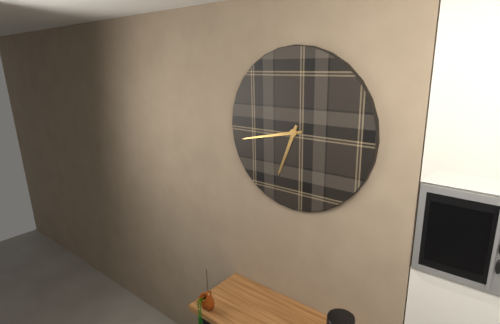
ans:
**6:43**
